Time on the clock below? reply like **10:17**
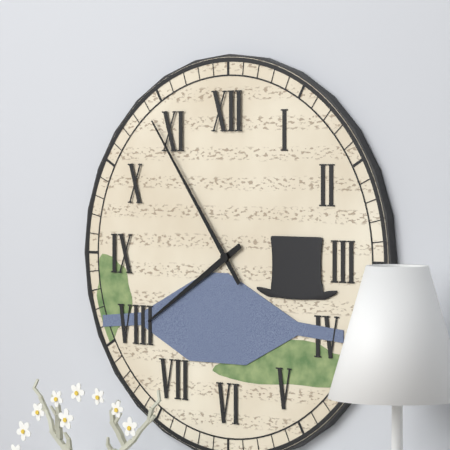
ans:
**7:54**
